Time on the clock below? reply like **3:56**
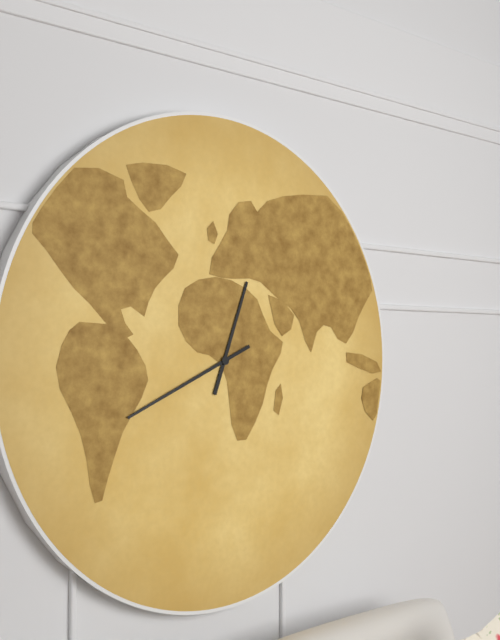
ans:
**12:41**
